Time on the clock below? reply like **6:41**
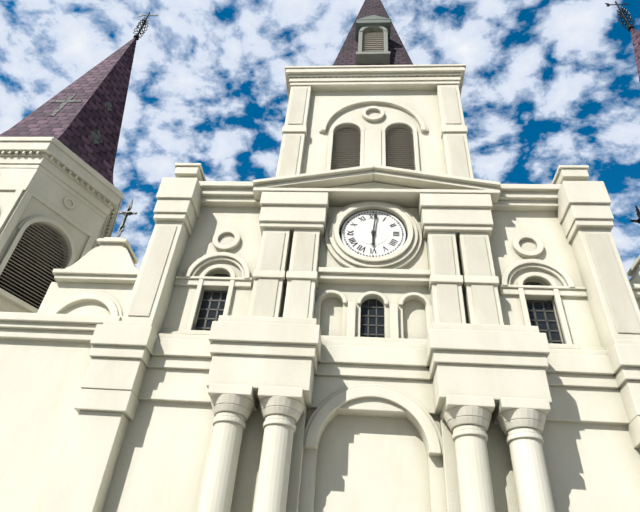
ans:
**6:01**
